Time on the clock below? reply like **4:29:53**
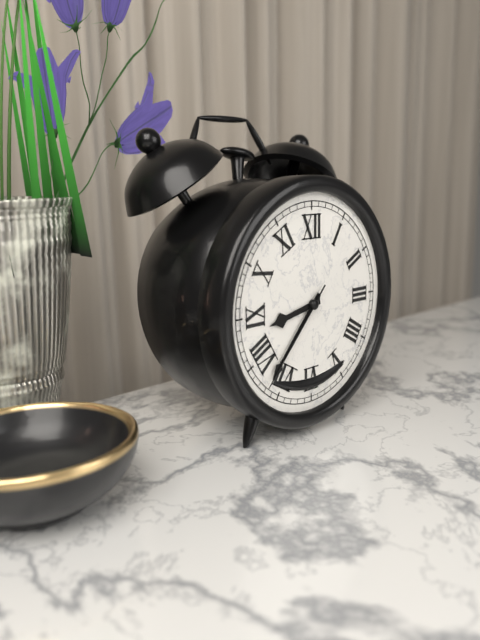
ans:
**8:37:37**
